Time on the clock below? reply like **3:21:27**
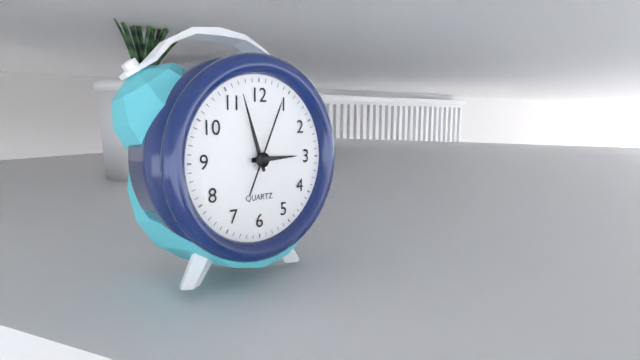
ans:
**2:57:04**
